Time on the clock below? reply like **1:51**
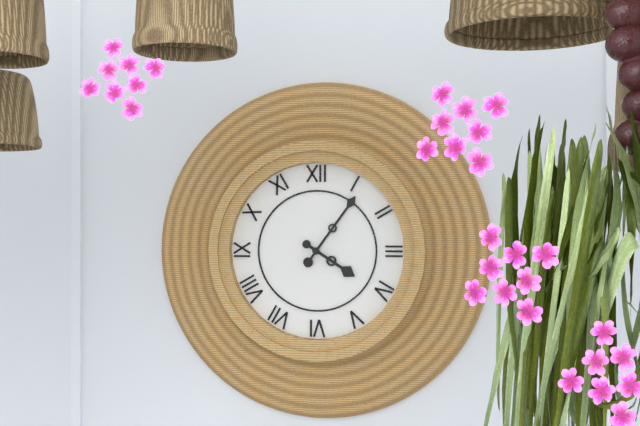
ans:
**4:06**
